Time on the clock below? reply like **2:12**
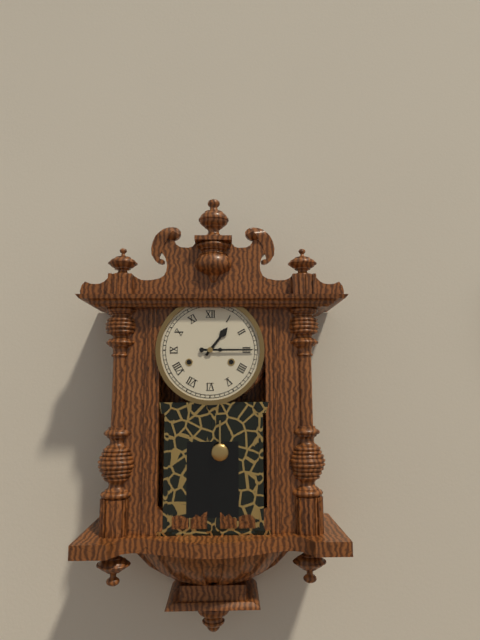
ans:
**1:15**
